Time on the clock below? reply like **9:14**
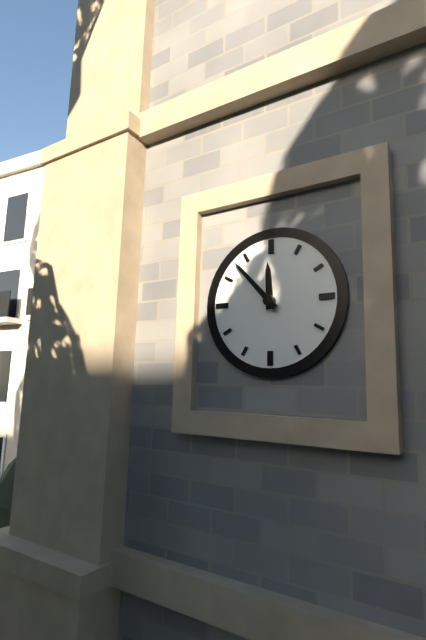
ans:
**11:53**
